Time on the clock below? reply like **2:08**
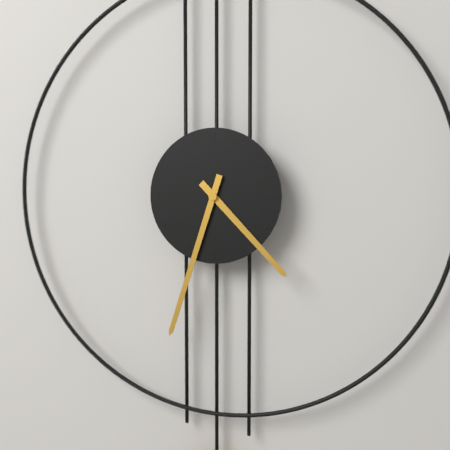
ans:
**4:33**
